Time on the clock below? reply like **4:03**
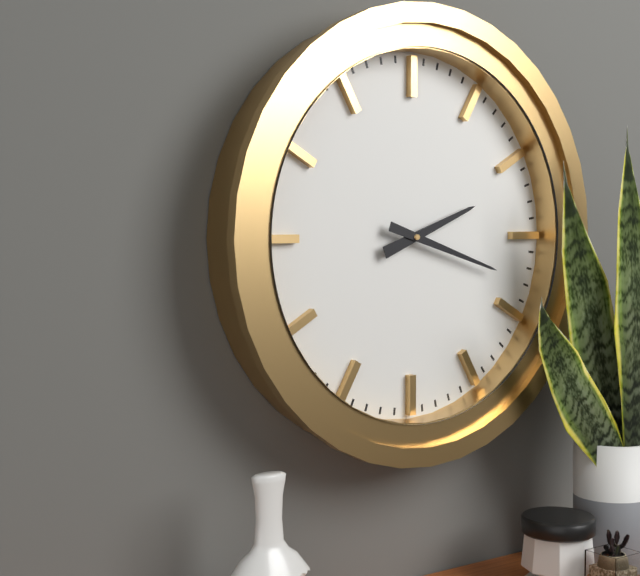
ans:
**2:18**
